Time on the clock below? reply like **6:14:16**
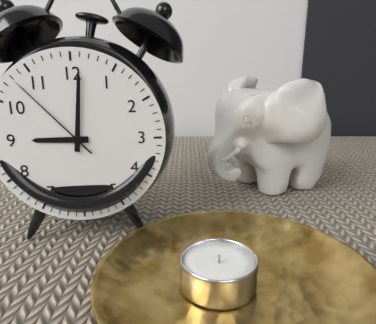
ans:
**9:01:53**
